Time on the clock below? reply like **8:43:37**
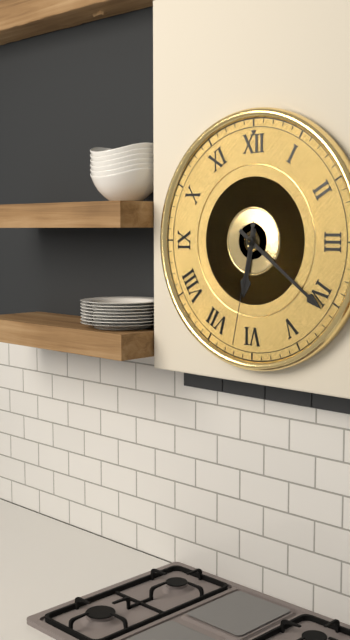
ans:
**6:21:32**
